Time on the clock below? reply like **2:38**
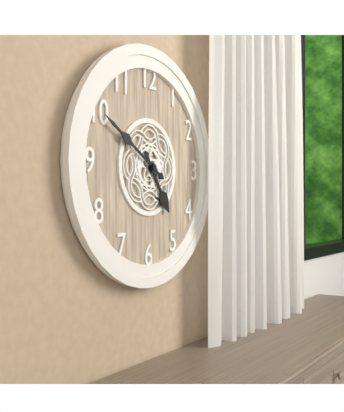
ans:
**4:50**
